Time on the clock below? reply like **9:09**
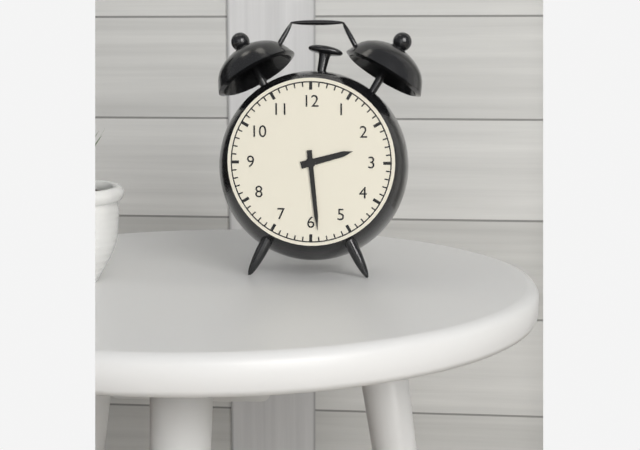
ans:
**2:29**
